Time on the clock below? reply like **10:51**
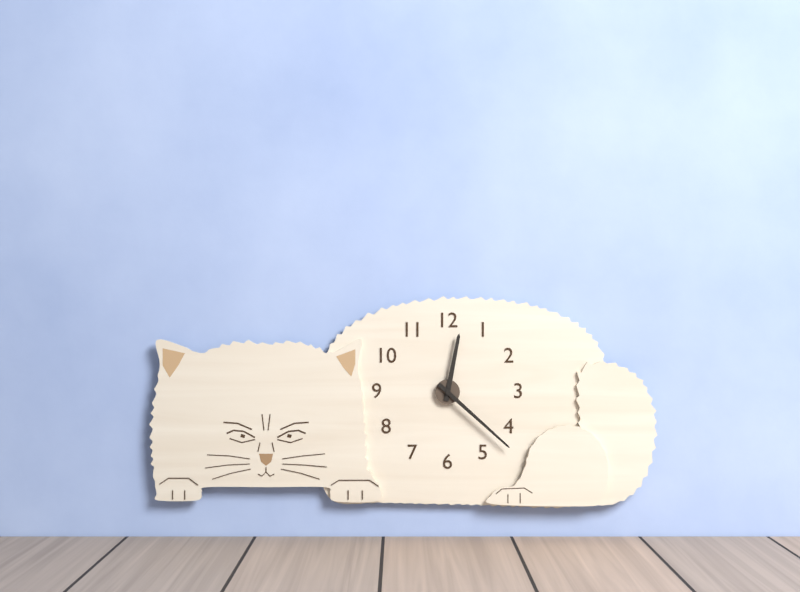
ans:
**12:22**
